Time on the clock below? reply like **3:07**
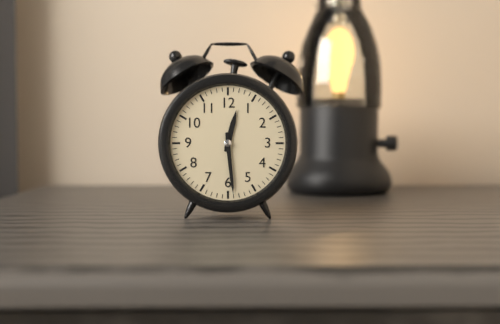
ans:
**12:29**
